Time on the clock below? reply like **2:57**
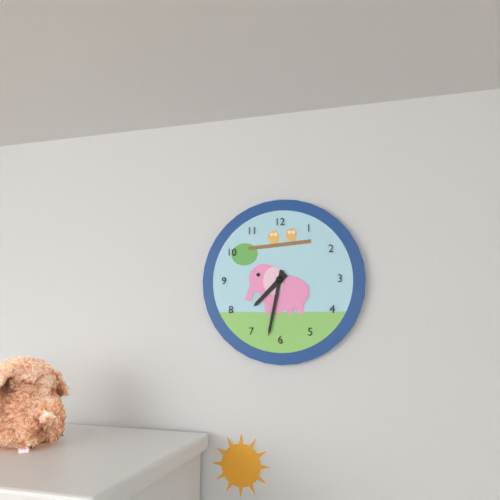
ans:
**7:32**
